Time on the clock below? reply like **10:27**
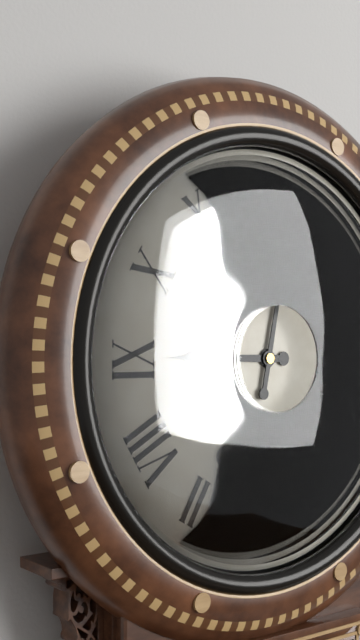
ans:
**9:02**
